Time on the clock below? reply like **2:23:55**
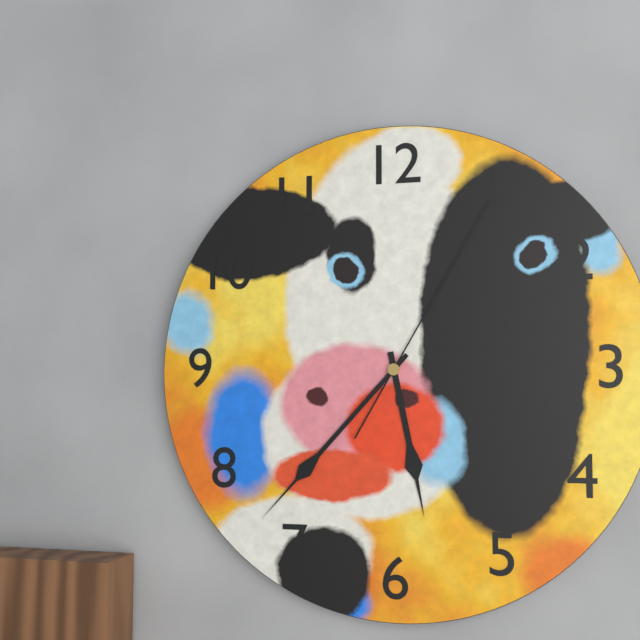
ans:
**5:37:05**
